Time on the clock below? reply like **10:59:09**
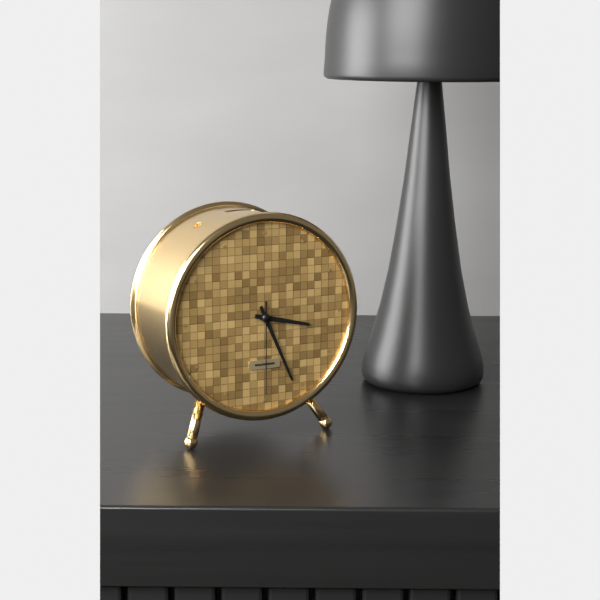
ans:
**3:26:30**
